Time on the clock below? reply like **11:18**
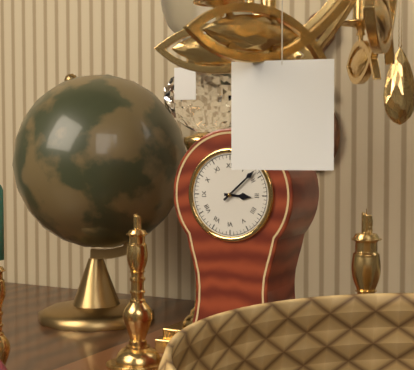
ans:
**3:08**
